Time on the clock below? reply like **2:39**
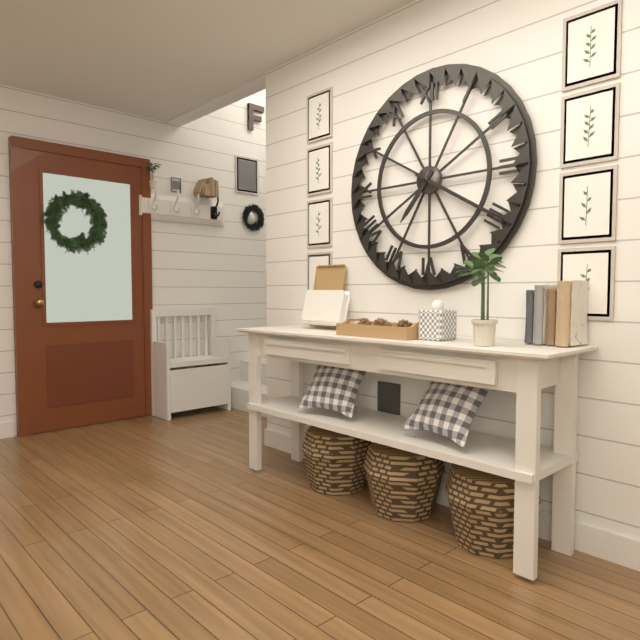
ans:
**7:20**
